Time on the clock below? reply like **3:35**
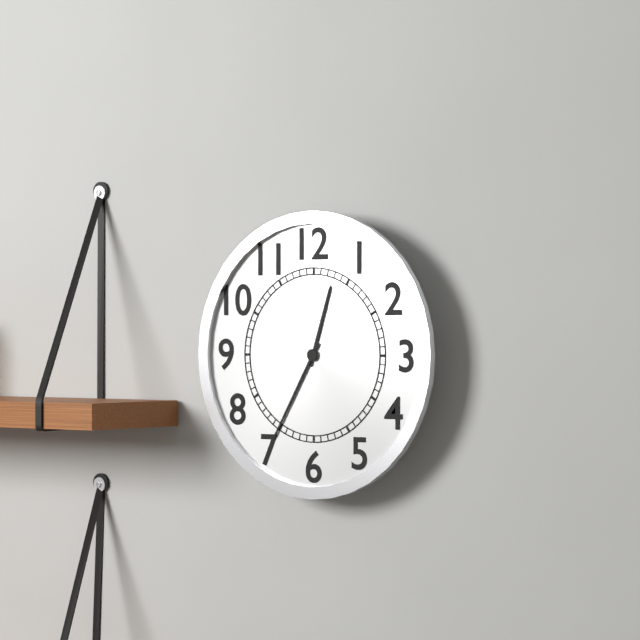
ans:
**12:35**
